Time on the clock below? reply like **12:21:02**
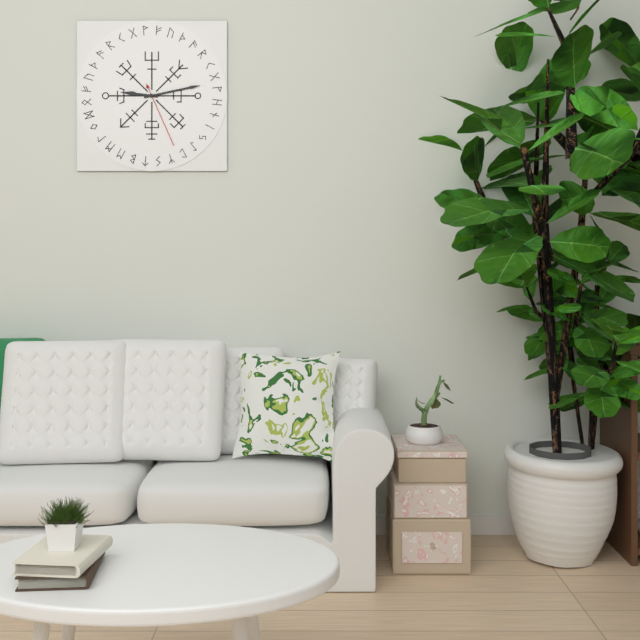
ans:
**9:13:26**
